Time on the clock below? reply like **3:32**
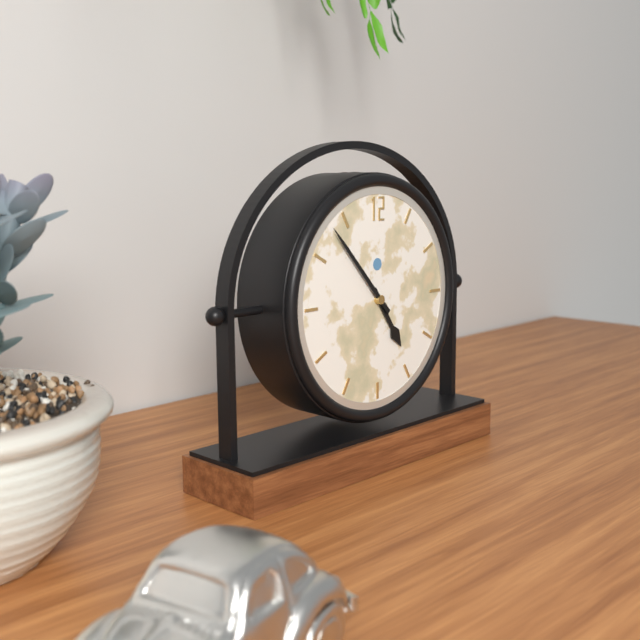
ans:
**4:53**
